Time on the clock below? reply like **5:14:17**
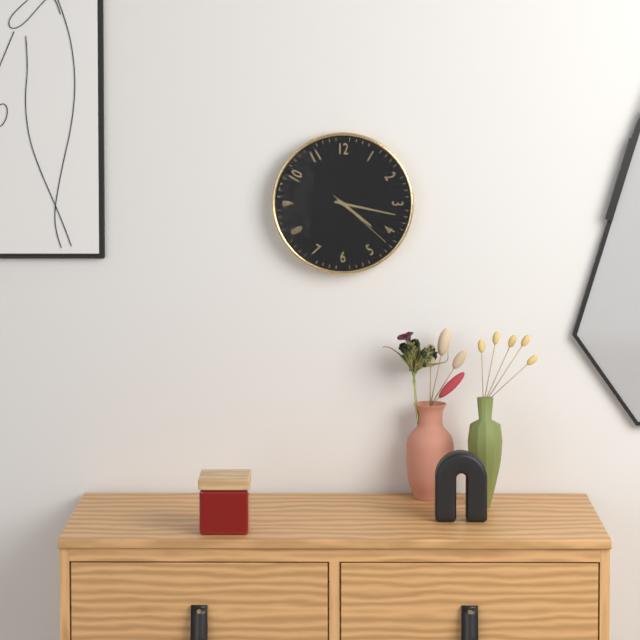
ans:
**4:17:22**
